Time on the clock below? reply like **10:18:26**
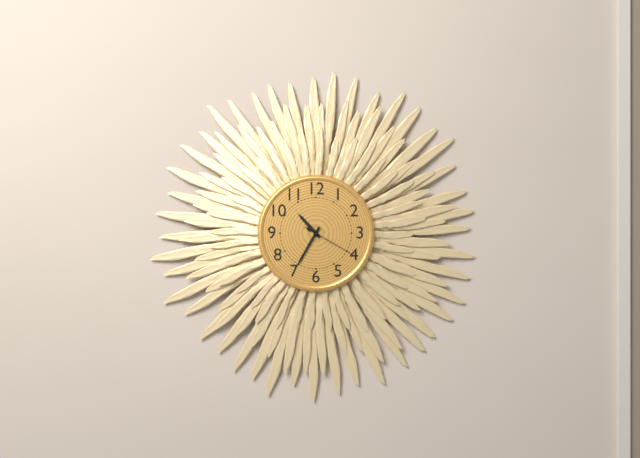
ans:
**10:35:20**
